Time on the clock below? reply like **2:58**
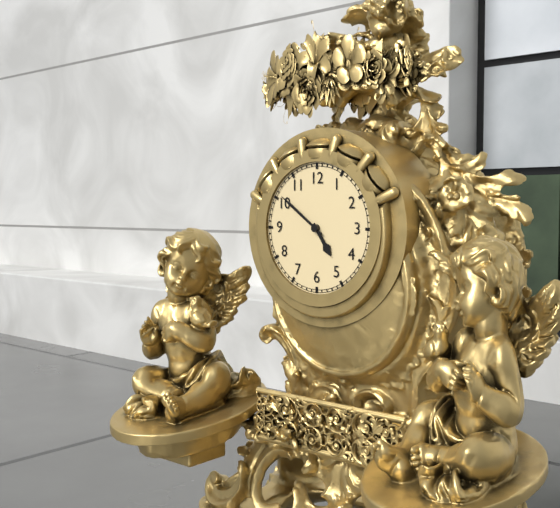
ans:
**4:51**
